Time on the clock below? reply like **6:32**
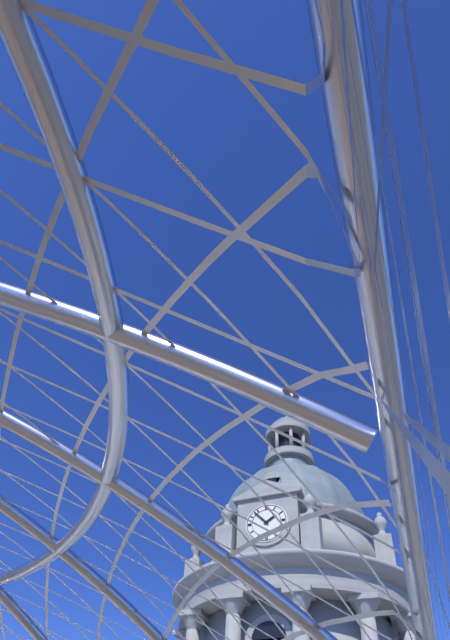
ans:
**1:53**
